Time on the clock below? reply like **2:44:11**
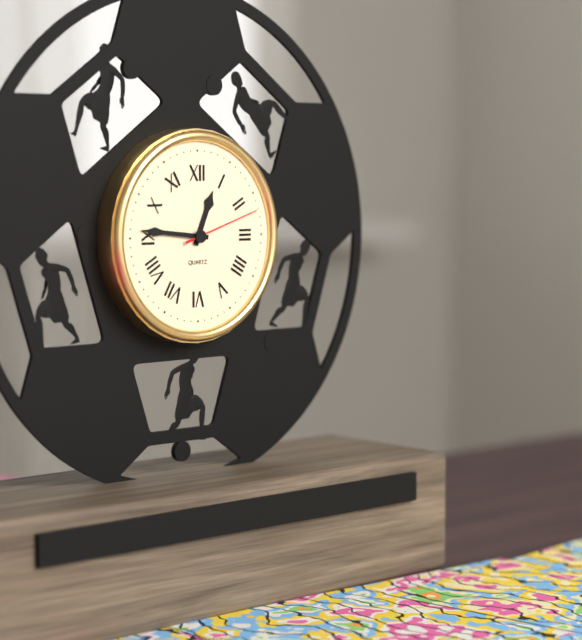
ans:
**12:46:12**
